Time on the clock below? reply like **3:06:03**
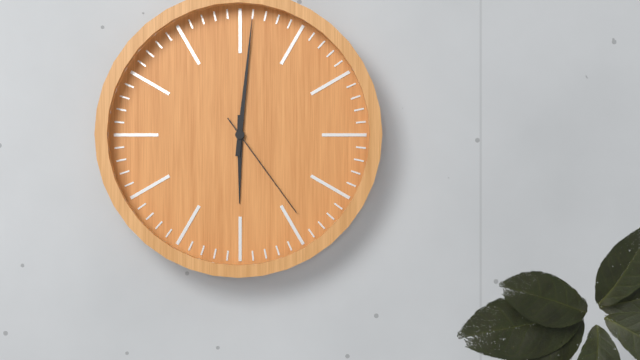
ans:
**6:01:24**
